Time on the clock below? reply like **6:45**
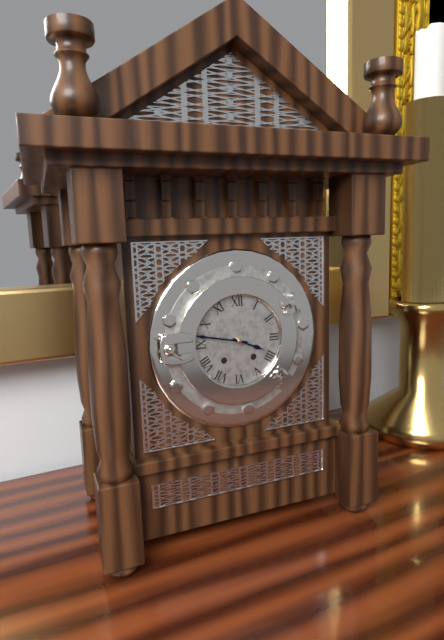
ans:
**3:47**
